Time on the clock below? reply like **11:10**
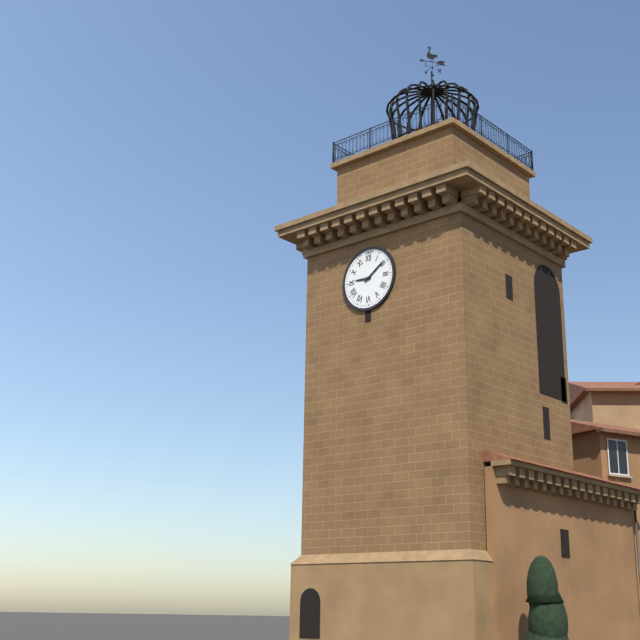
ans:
**9:09**
